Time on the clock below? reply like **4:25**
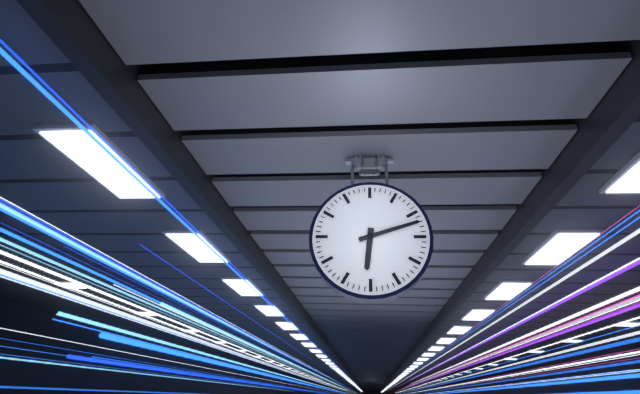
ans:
**6:12**
